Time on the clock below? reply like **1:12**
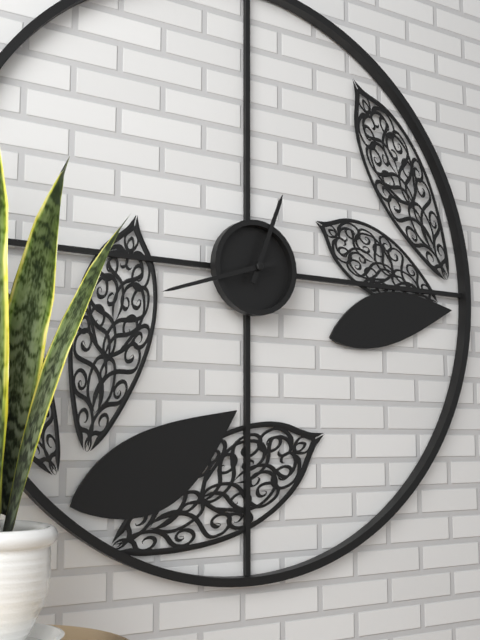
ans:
**12:42**
